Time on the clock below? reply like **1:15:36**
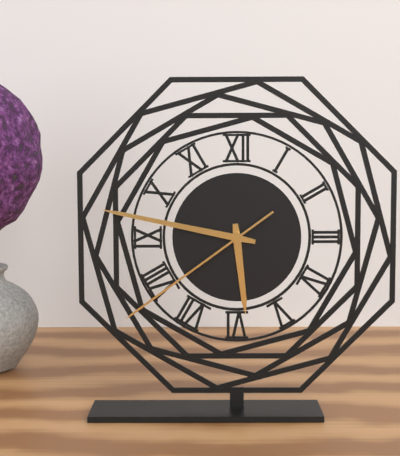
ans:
**5:47:39**
